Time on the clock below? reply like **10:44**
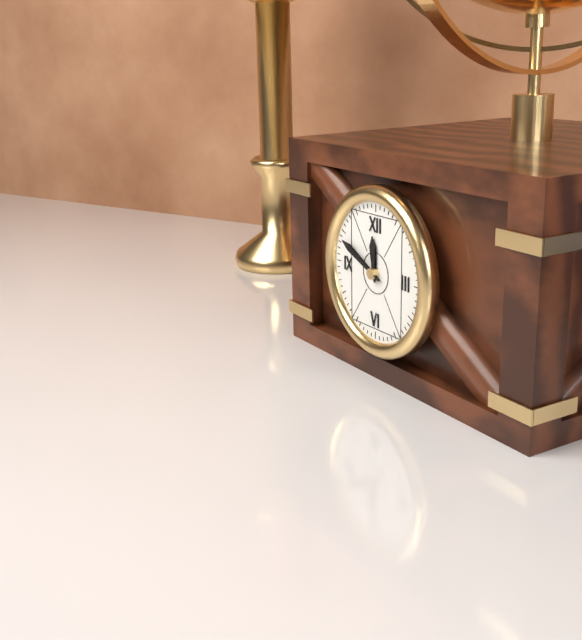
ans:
**11:49**
